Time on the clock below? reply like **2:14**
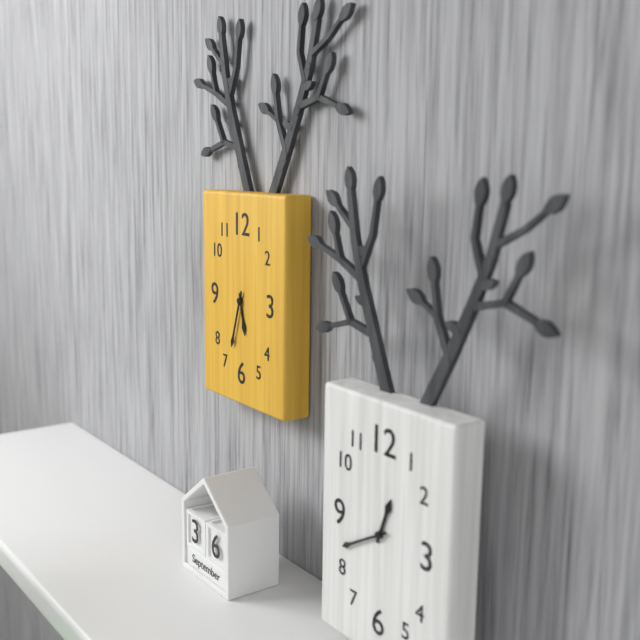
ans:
**5:33**
